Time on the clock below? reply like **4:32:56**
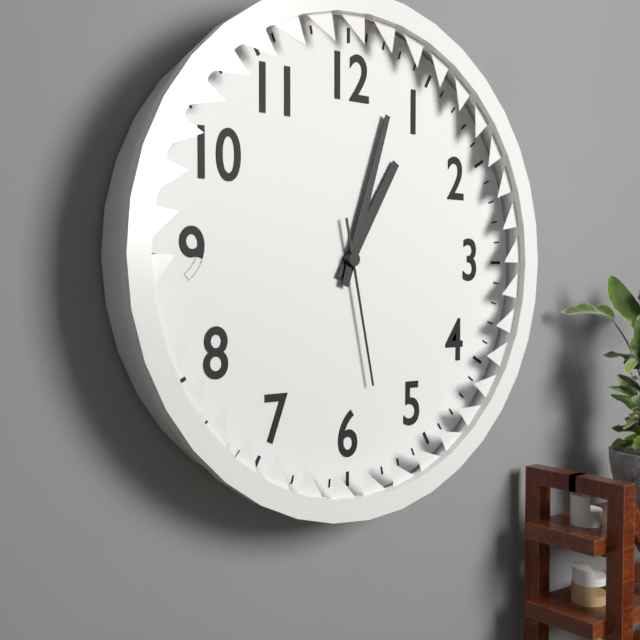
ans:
**1:03:28**
